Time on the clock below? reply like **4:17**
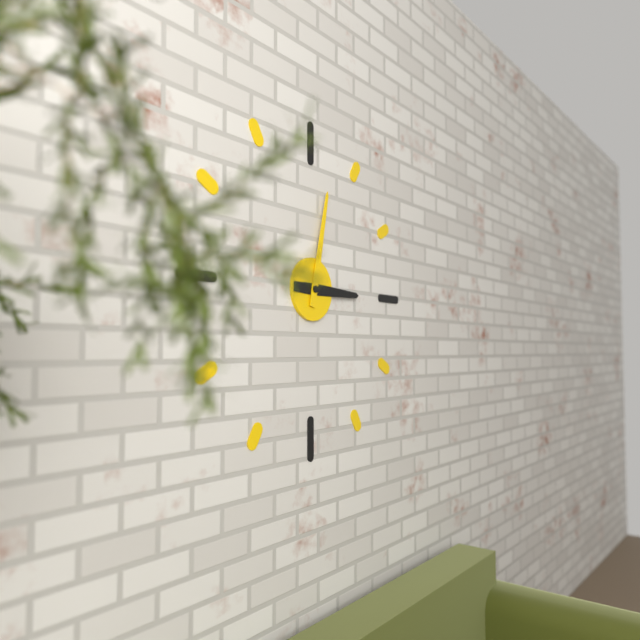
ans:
**3:02**
